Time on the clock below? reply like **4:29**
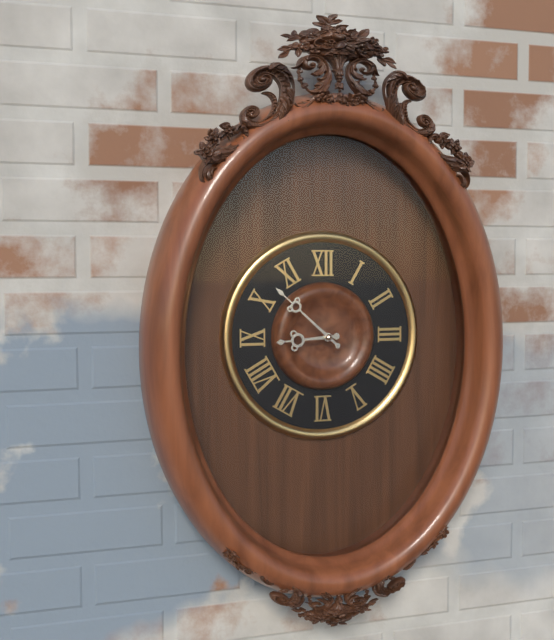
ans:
**8:52**
